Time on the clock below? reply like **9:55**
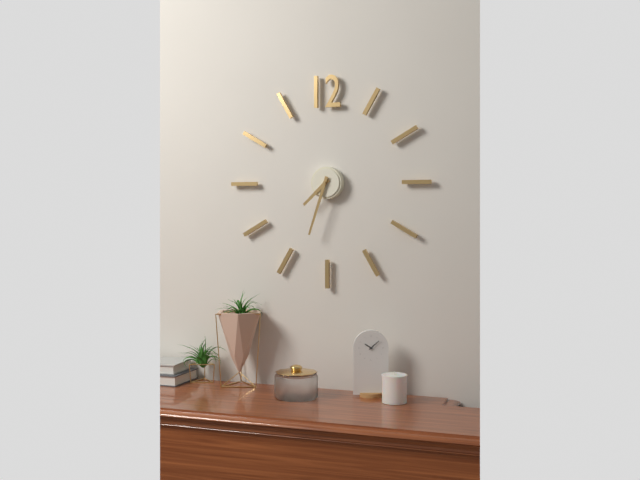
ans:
**7:33**
